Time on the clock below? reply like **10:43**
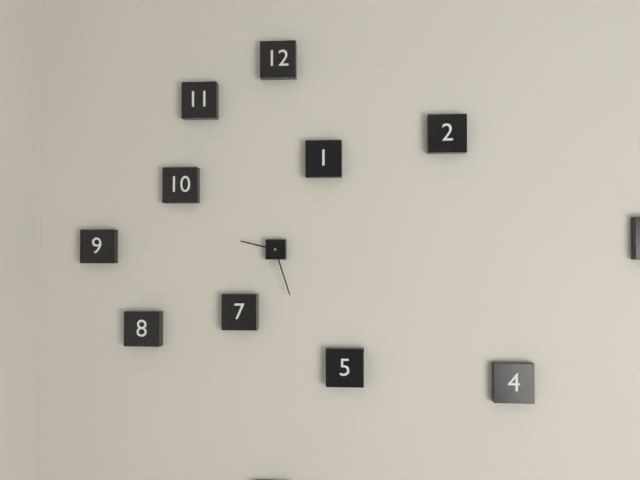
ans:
**9:27**
